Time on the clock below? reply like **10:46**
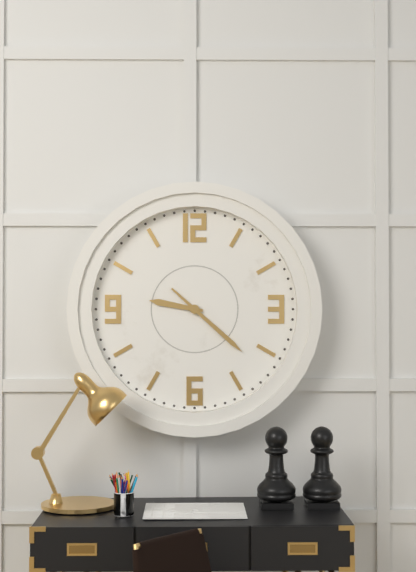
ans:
**9:22**
